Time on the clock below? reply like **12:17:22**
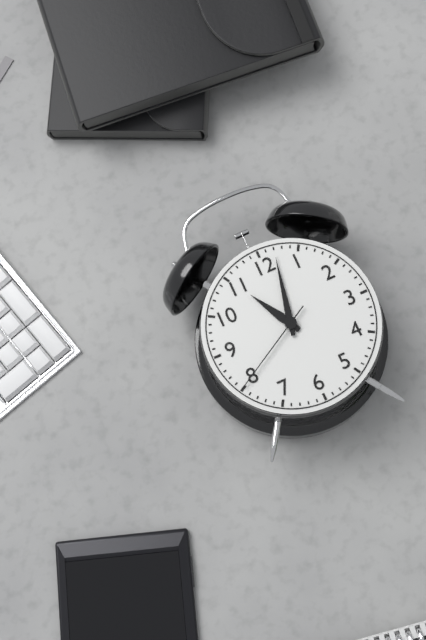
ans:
**11:02:40**
